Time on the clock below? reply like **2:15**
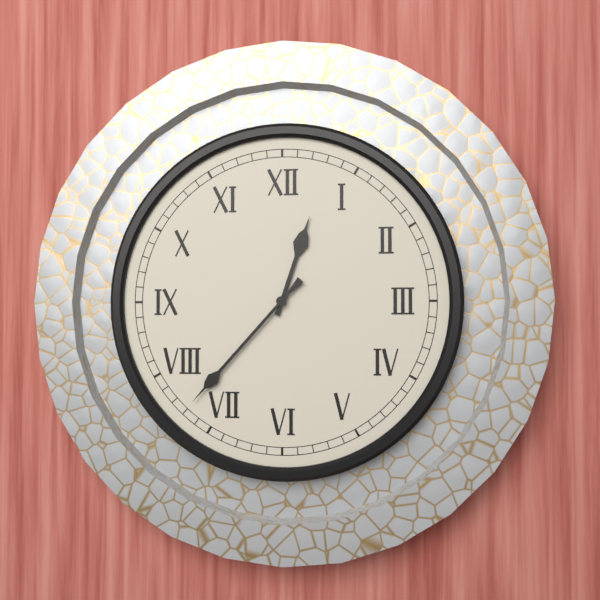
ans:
**12:37**
